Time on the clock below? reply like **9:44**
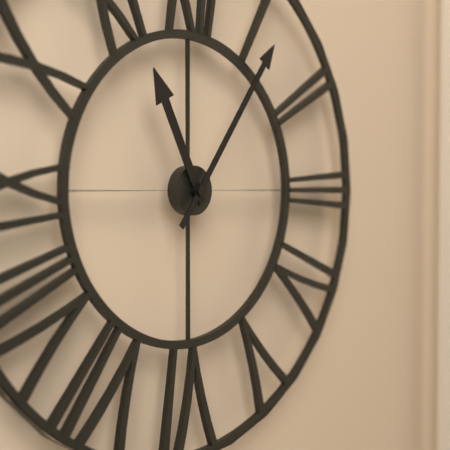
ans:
**11:06**
